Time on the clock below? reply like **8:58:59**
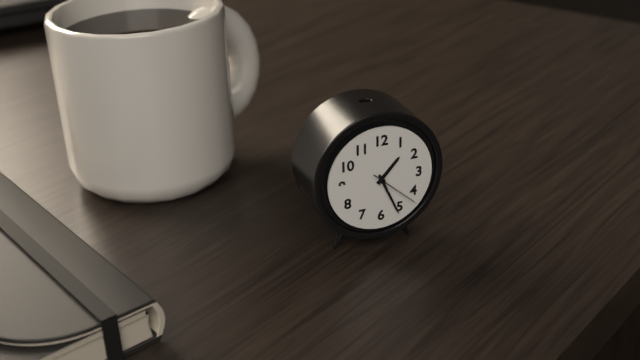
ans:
**1:26:22**
